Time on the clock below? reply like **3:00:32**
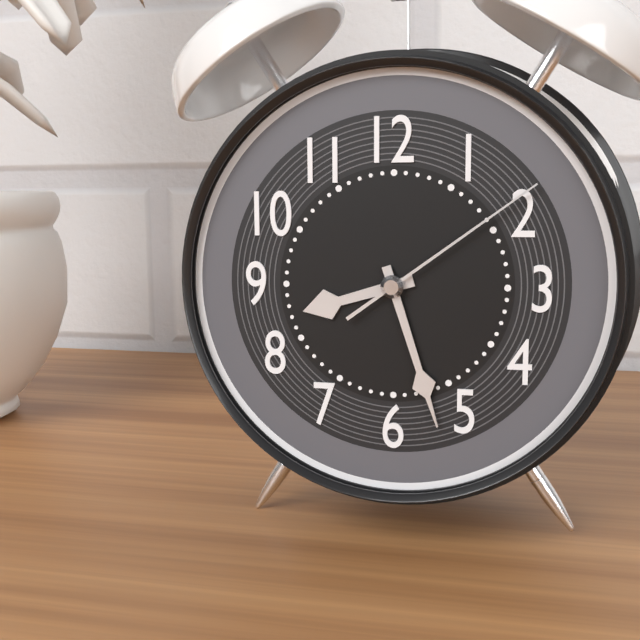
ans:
**8:27:09**
